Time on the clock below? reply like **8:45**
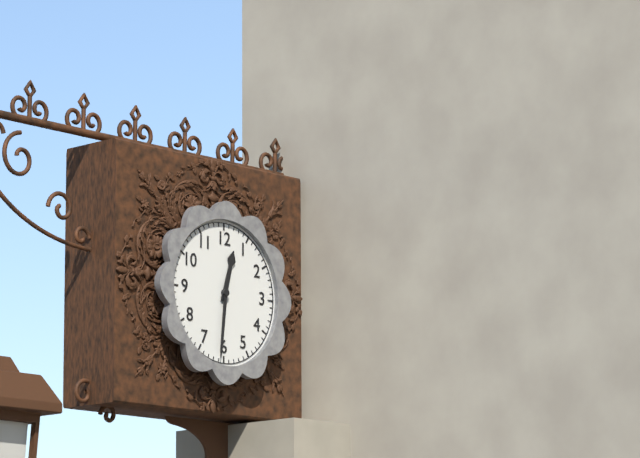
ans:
**12:31**
